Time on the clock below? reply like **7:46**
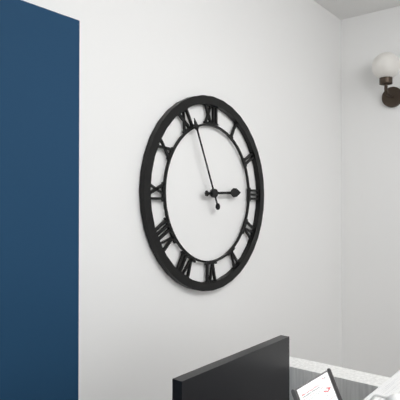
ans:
**2:56**
